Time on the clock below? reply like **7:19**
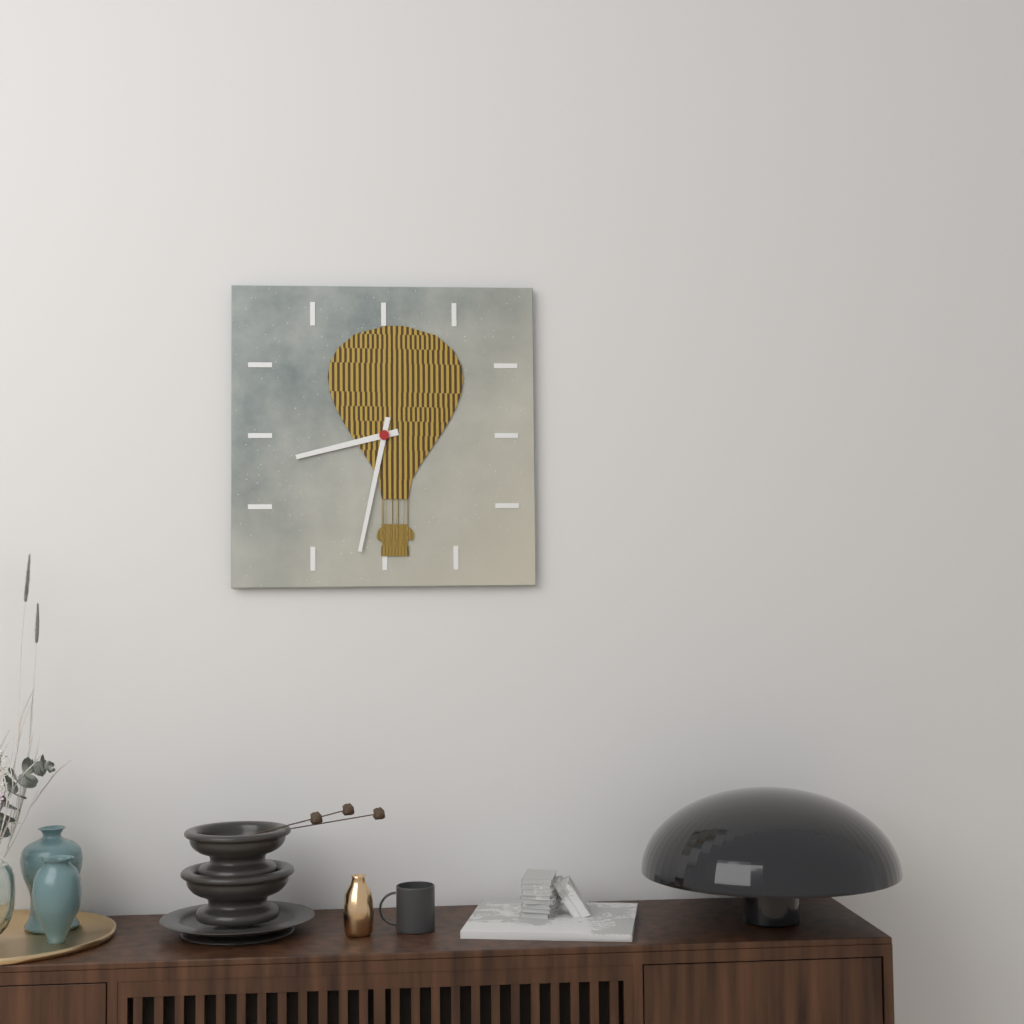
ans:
**8:32**
